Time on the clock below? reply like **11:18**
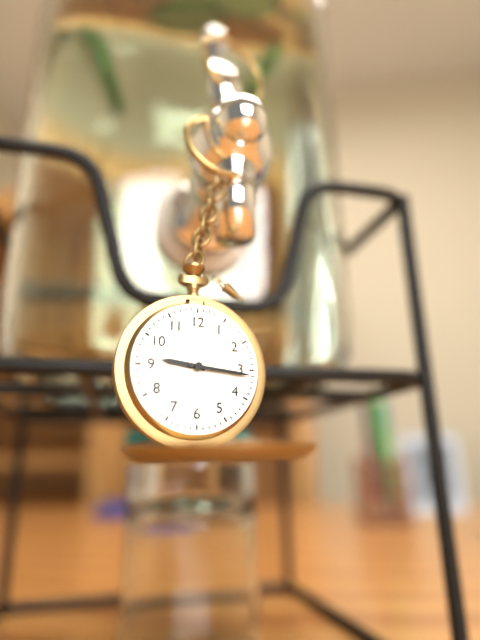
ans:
**9:16**
